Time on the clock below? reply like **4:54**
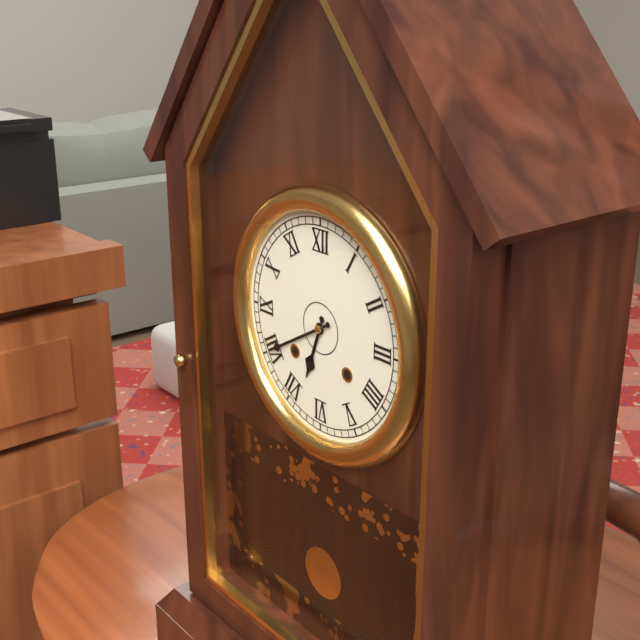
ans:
**6:40**
